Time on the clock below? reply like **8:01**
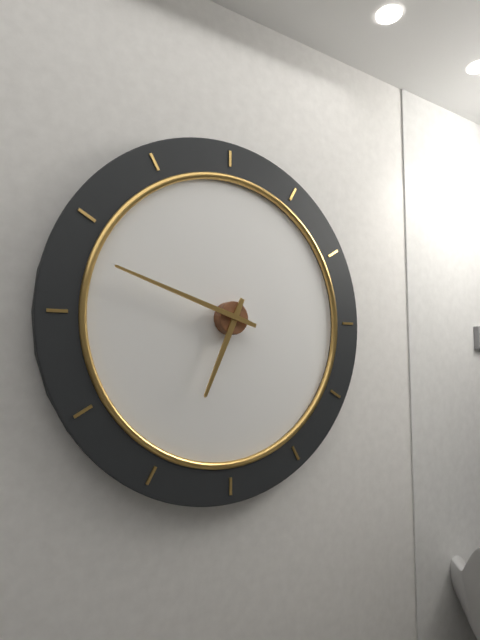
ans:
**6:48**
